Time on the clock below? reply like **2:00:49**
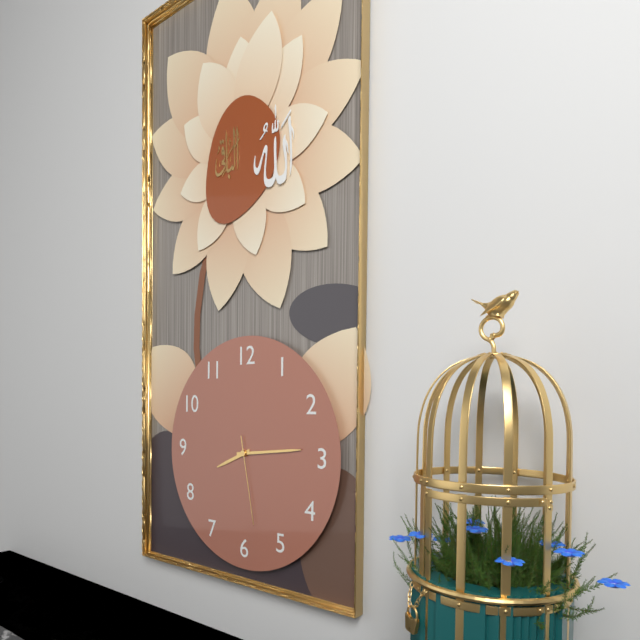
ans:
**8:14:28**
